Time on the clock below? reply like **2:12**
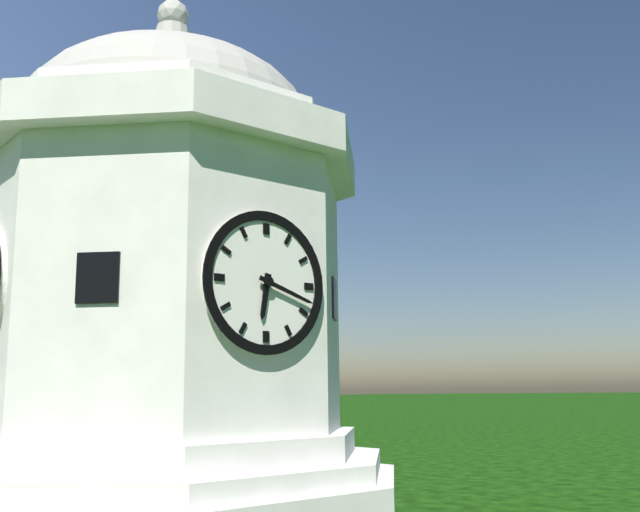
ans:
**6:18**
